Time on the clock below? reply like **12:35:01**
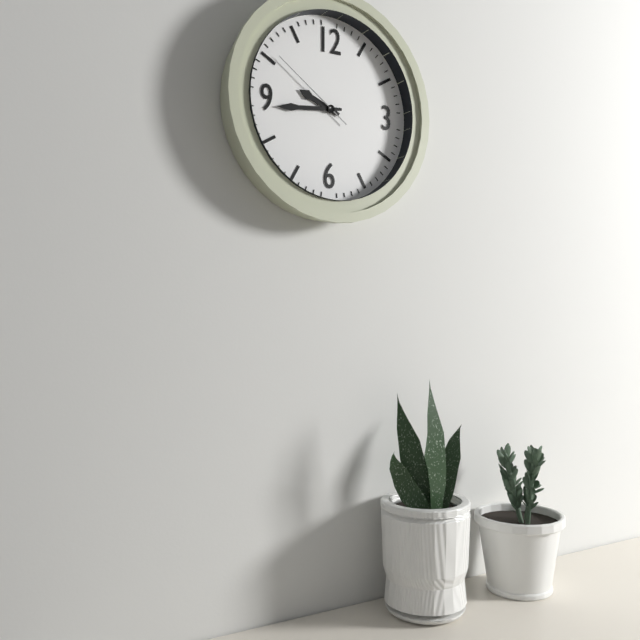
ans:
**9:44:51**
